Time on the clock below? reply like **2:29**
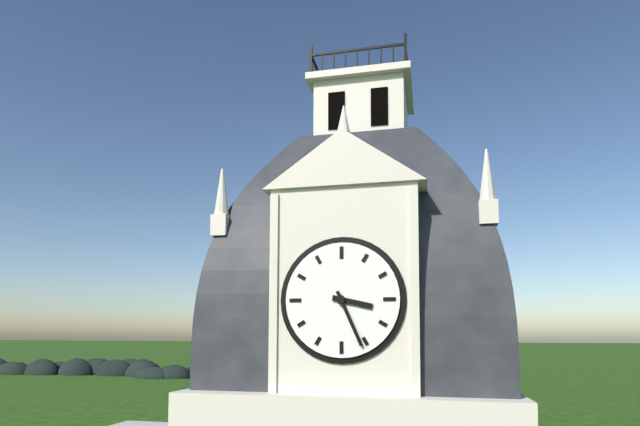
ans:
**3:26**
